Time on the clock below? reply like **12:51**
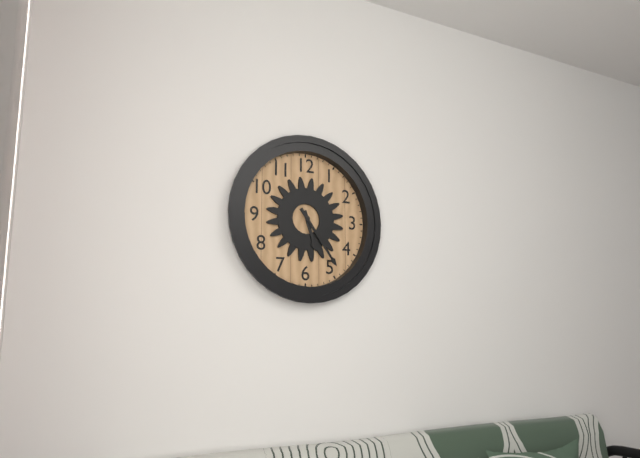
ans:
**5:24**
